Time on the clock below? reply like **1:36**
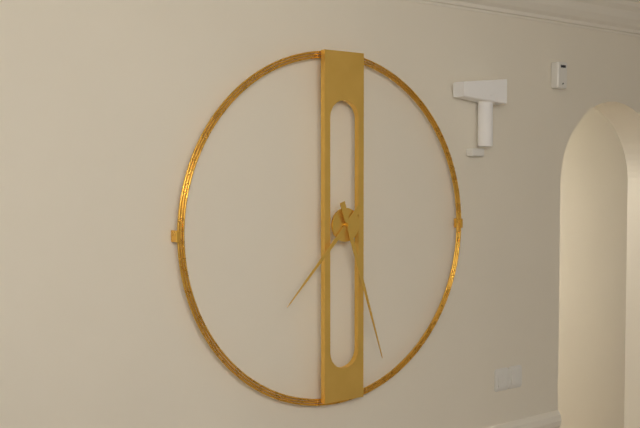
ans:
**7:27**
